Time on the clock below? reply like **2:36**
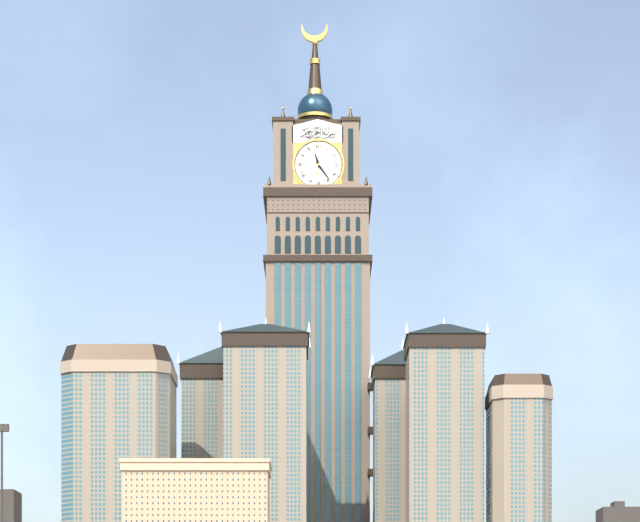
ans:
**11:24**
